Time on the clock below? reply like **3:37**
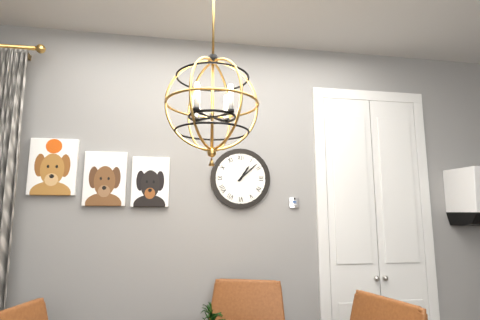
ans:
**1:08**
